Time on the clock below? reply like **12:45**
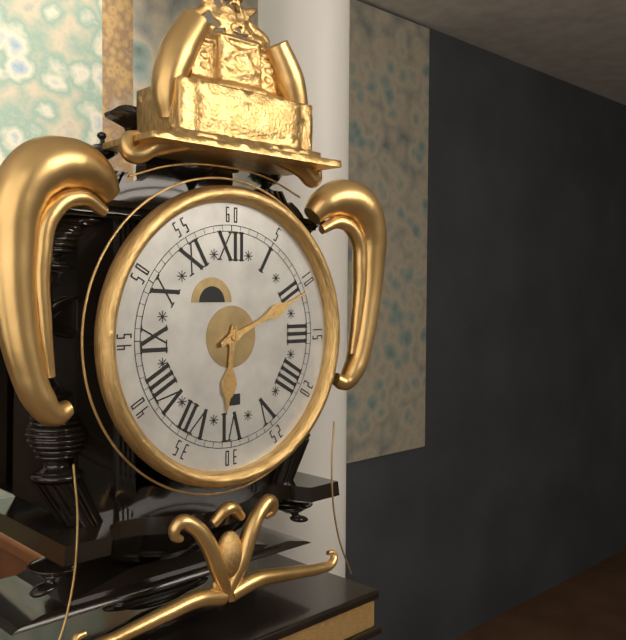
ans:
**6:11**
